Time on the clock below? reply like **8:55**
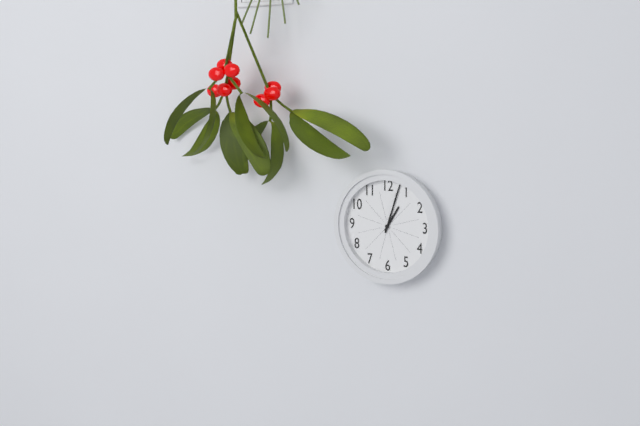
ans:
**1:03**
